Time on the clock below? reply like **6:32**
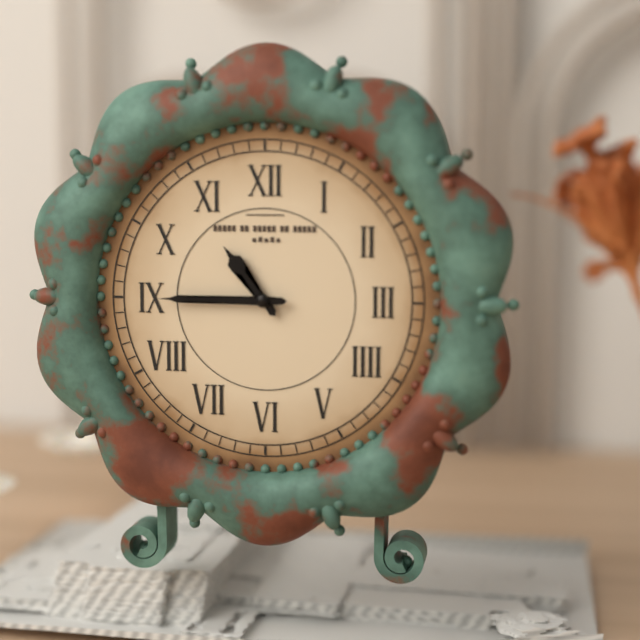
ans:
**10:45**
